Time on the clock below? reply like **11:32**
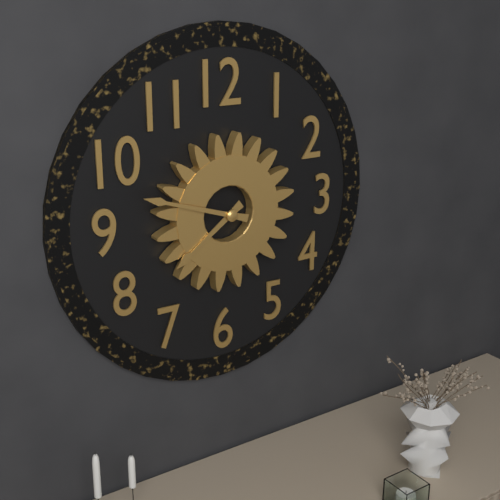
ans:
**7:48**
